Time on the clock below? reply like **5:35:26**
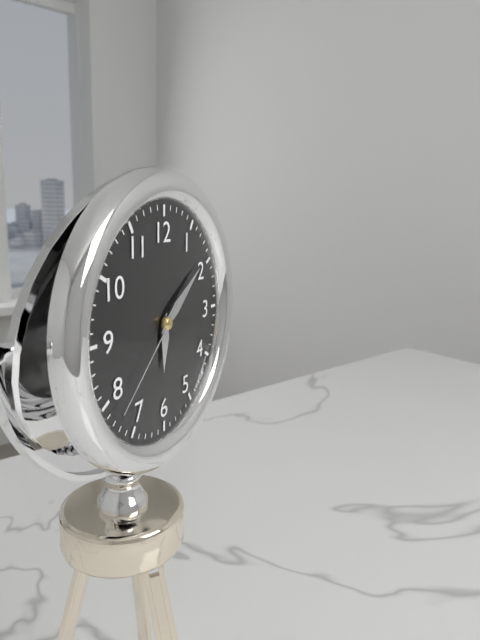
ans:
**6:09:38**
